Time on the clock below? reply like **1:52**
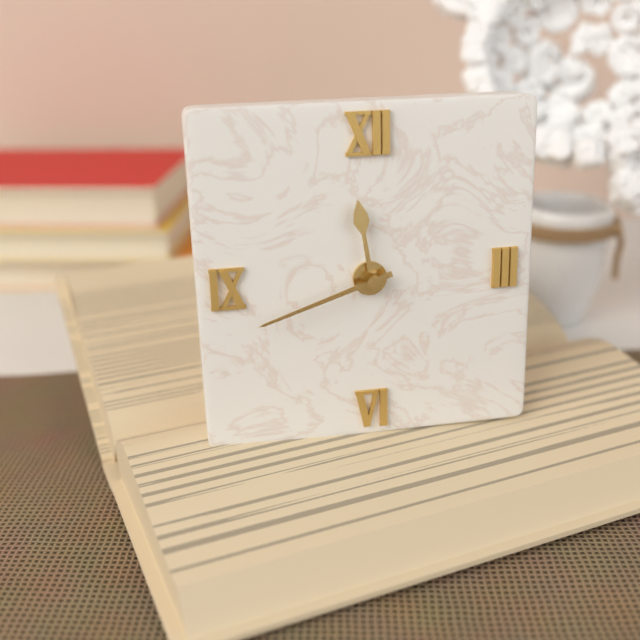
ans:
**11:42**
